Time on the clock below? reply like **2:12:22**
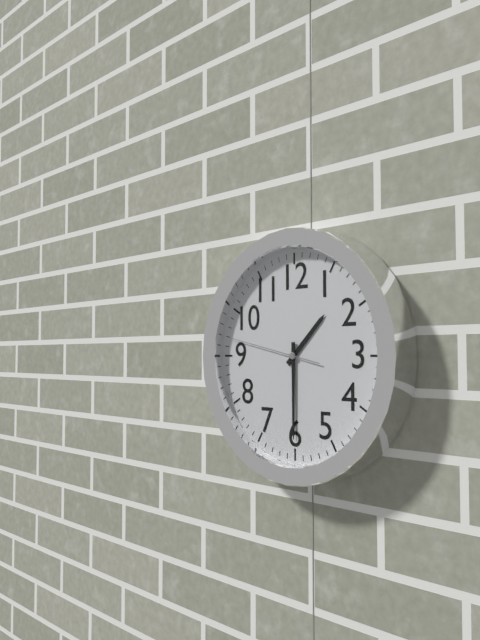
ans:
**1:30:47**
